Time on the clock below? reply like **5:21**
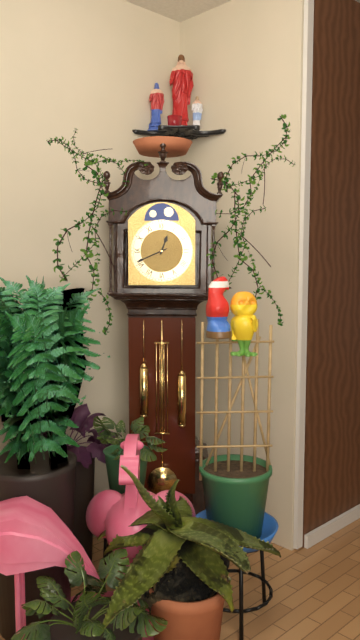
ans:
**12:41**
